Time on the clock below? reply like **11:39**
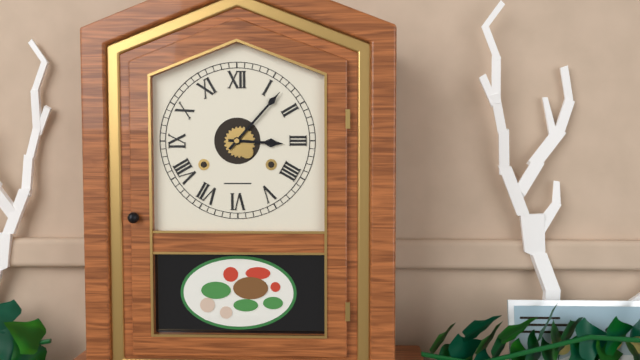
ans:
**3:07**
